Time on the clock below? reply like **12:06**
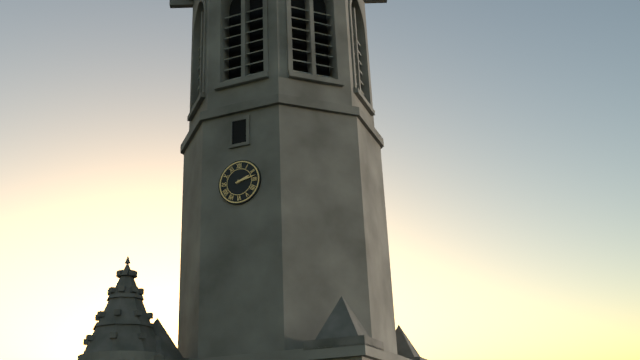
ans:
**2:13**
